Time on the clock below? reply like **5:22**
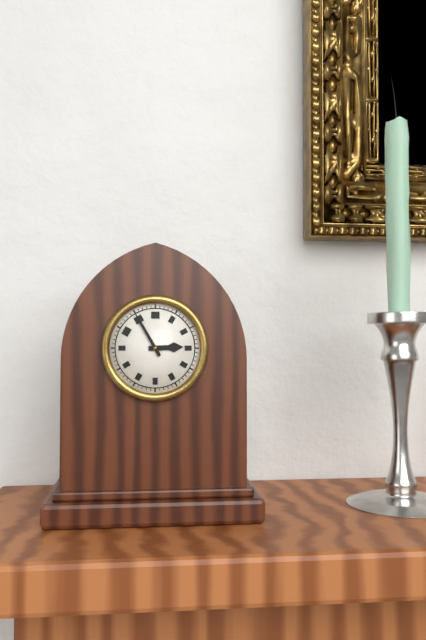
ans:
**2:55**
